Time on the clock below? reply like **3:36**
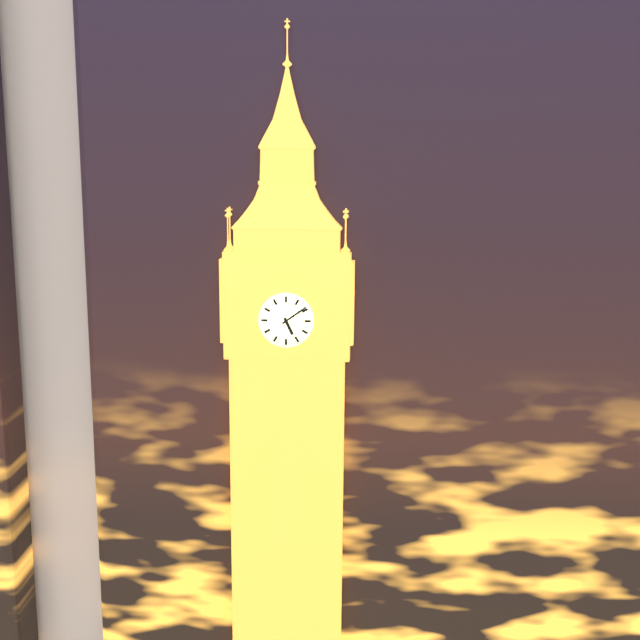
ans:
**5:09**
